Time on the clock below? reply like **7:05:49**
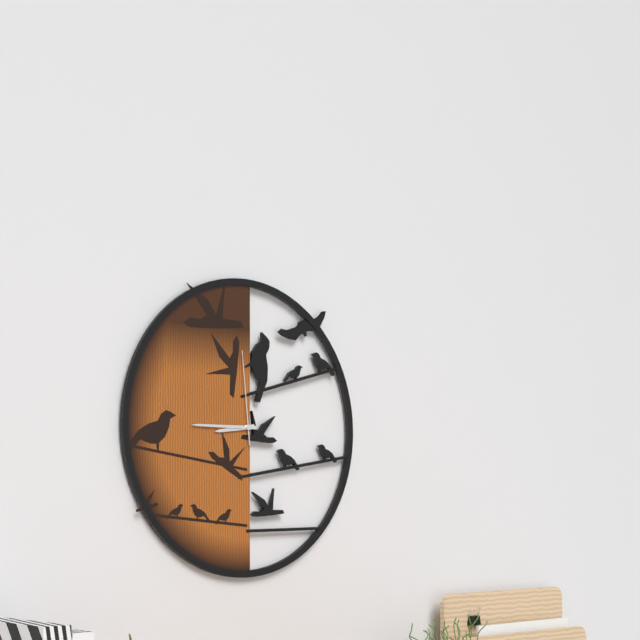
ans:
**8:45:59**
